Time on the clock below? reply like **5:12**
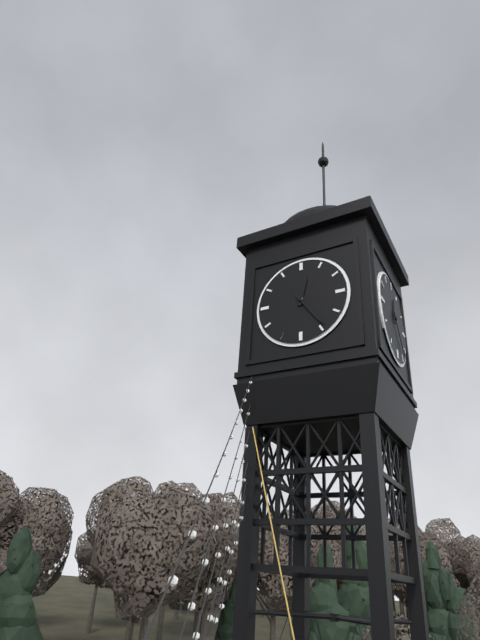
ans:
**12:24**
